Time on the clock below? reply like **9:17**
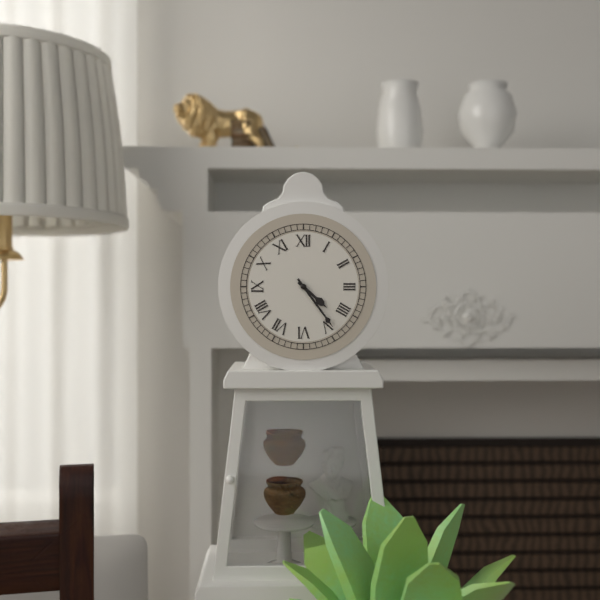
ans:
**4:24**
